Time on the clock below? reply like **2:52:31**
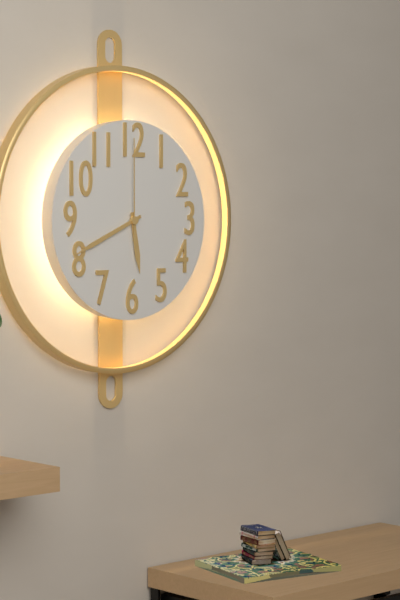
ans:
**5:41:00**
